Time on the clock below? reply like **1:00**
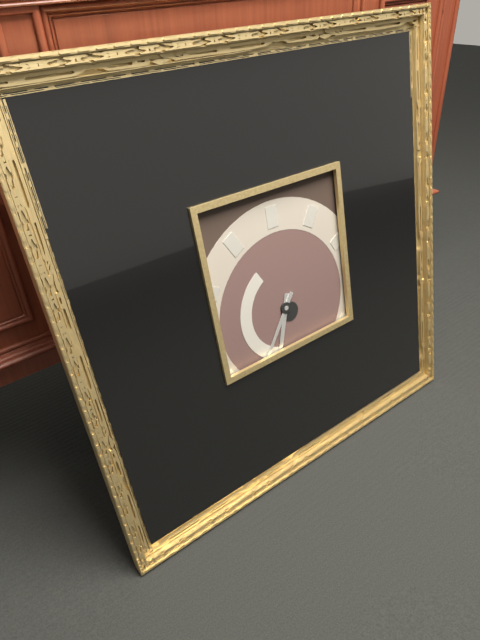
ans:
**6:36**
